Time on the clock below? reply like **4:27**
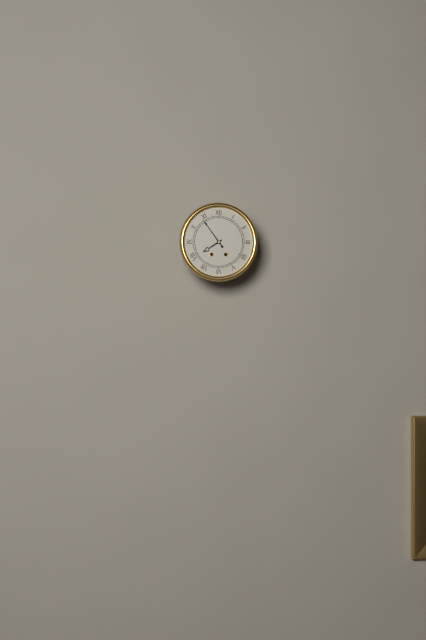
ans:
**7:54**
